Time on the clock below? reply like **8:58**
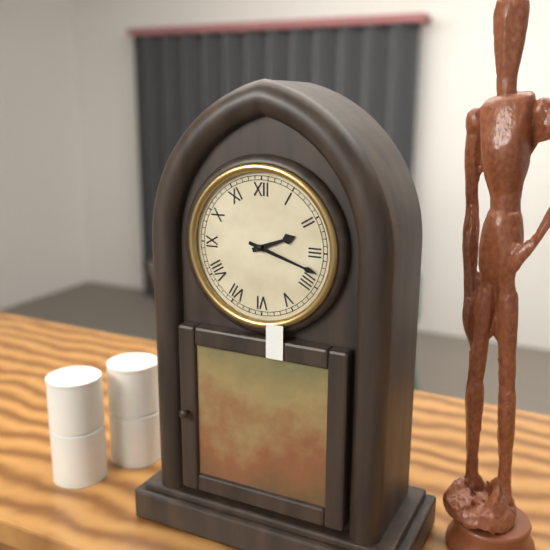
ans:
**2:18**
